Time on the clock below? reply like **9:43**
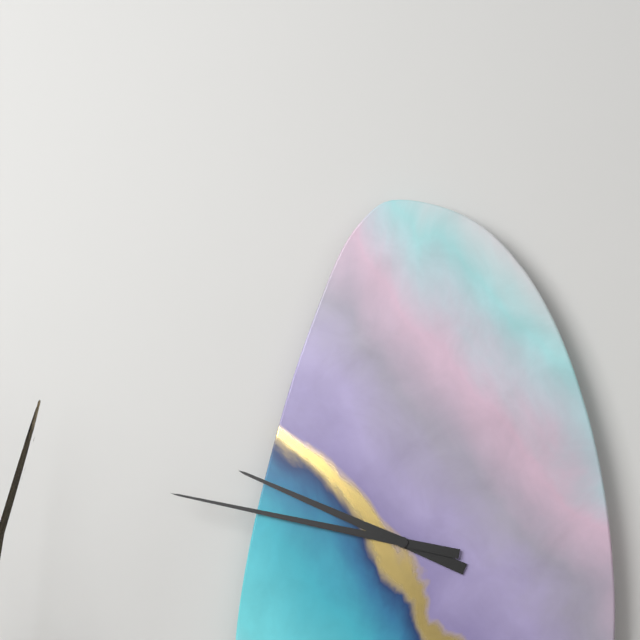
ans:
**9:47**
